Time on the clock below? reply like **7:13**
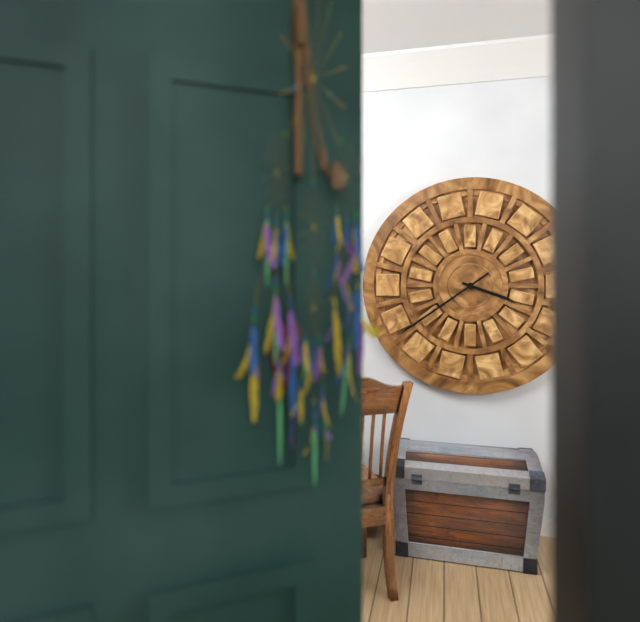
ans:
**3:39**
